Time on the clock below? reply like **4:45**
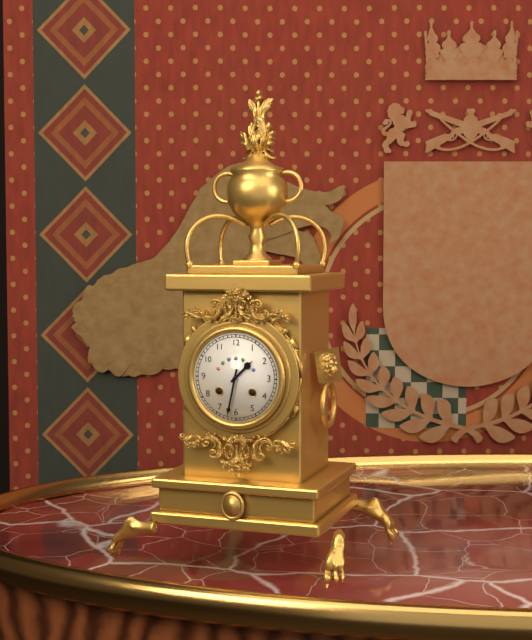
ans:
**1:32**
